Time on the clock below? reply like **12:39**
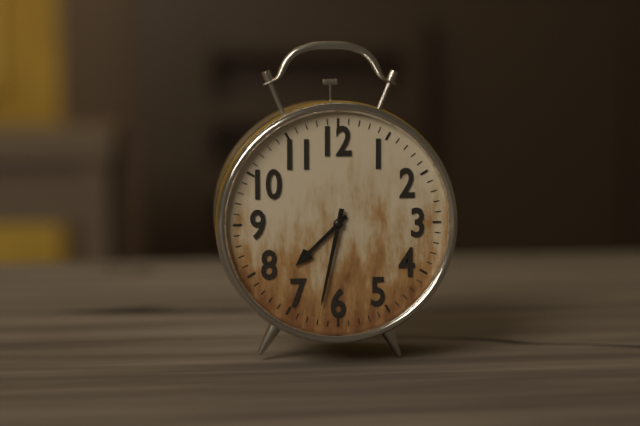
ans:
**7:32**
